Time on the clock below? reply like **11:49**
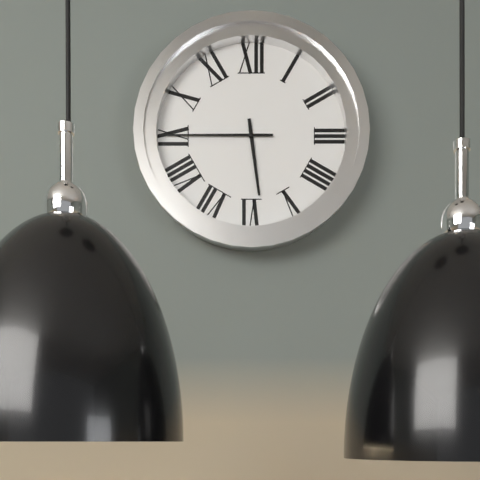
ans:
**5:45**
